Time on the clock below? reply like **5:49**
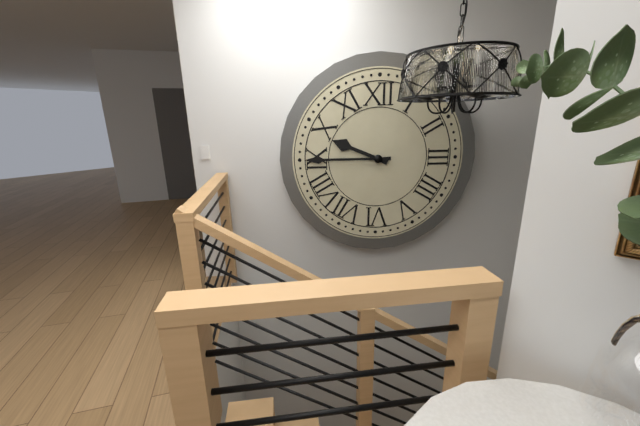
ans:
**9:45**
